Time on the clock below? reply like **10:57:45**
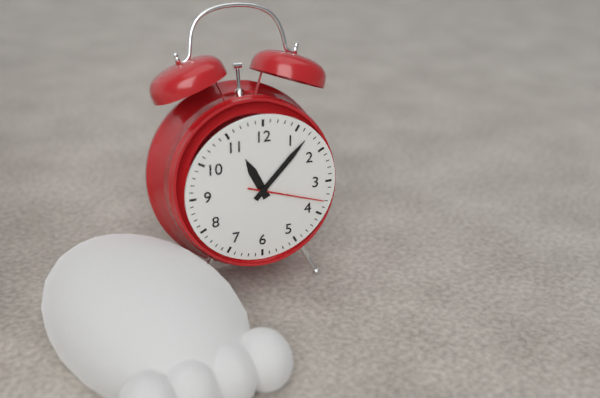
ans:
**11:07:18**
